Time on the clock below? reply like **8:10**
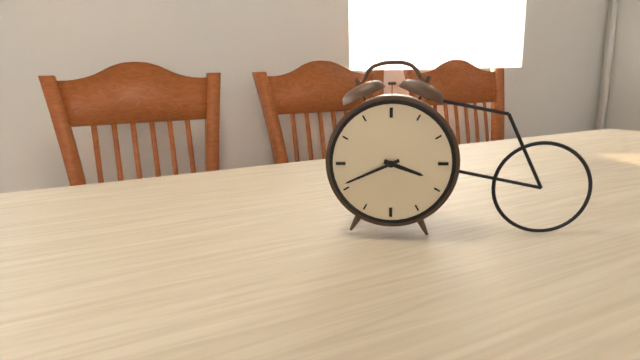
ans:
**3:41**
